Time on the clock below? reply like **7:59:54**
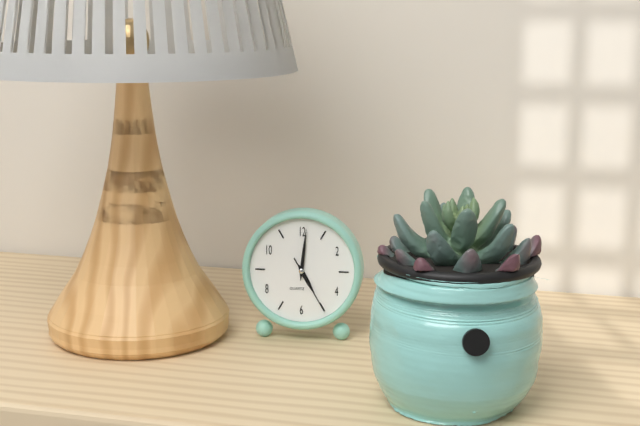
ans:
**5:01:25**
